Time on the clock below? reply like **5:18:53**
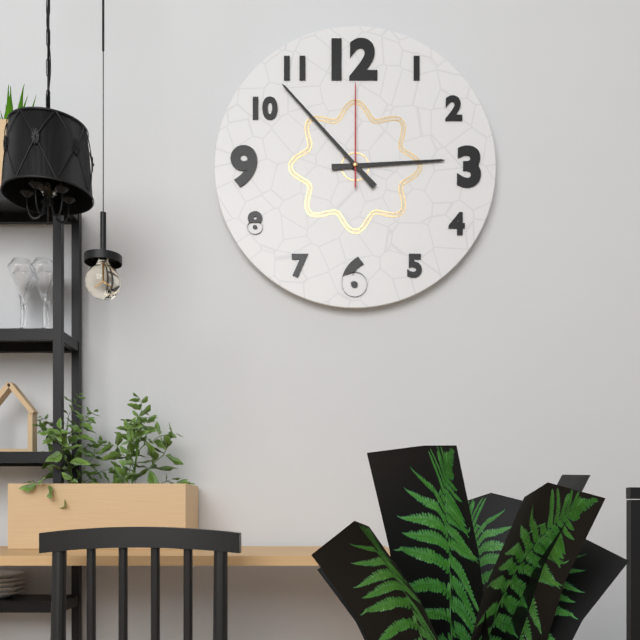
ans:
**2:53:00**
